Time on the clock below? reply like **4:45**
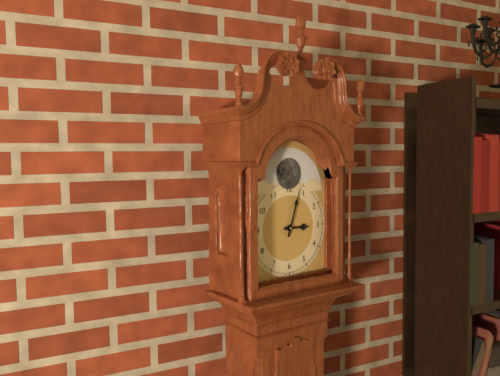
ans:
**3:03**
